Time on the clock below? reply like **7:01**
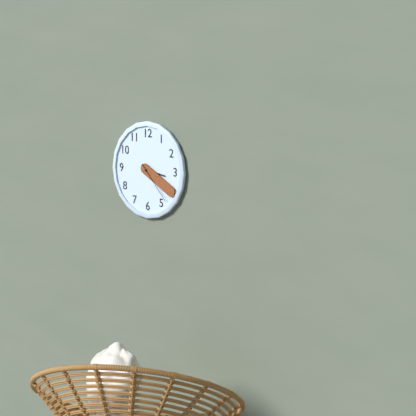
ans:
**3:20**
